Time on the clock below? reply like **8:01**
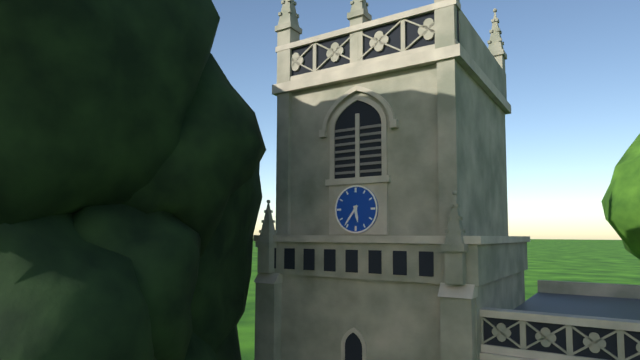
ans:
**5:36**
